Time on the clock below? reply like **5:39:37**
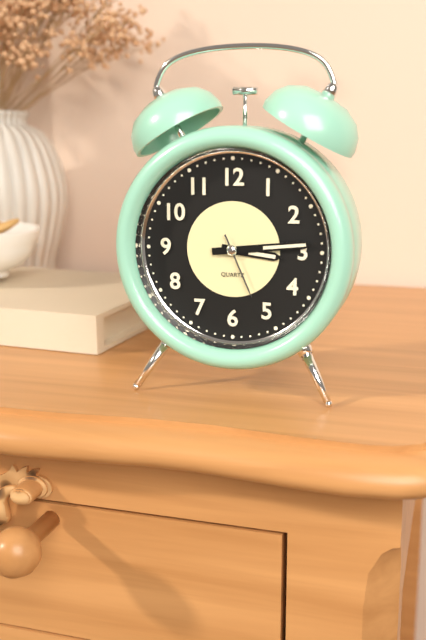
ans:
**3:14:26**
